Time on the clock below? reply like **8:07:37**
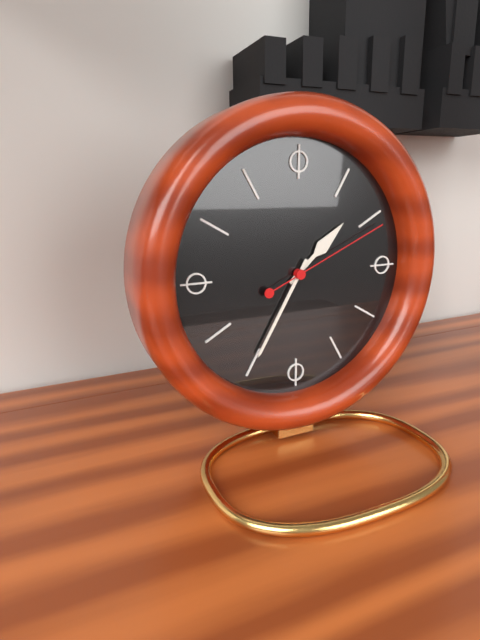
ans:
**1:35:11**
